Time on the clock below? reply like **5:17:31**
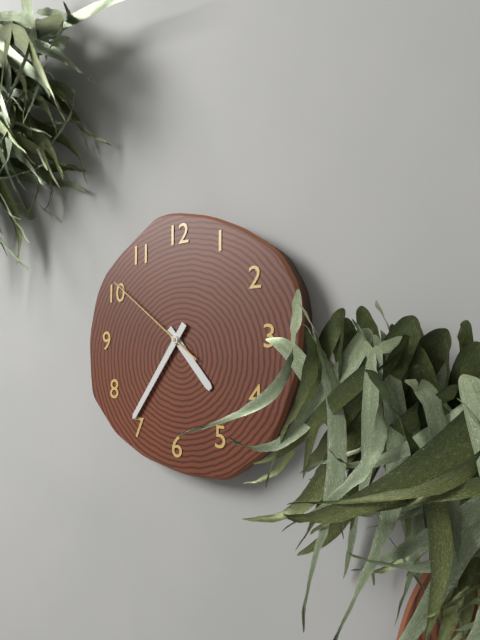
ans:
**4:36:51**
